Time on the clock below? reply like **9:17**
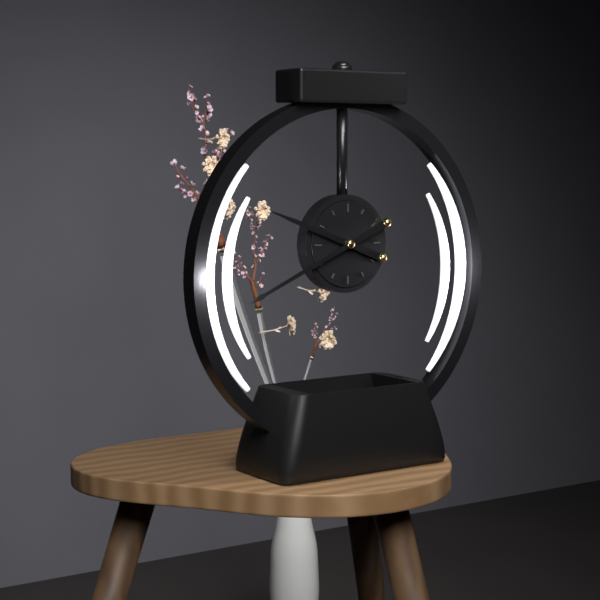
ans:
**9:41**
